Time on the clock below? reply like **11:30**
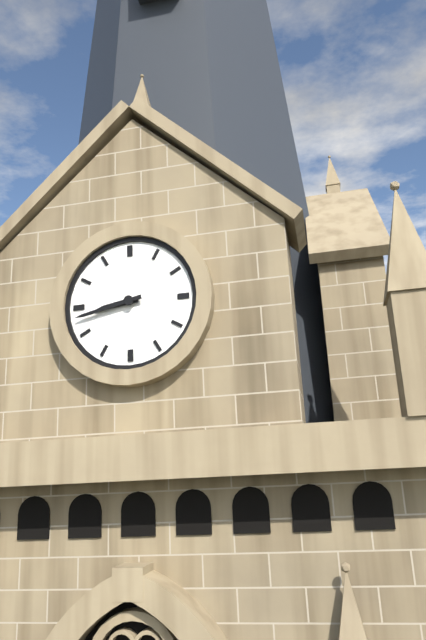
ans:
**8:43**
